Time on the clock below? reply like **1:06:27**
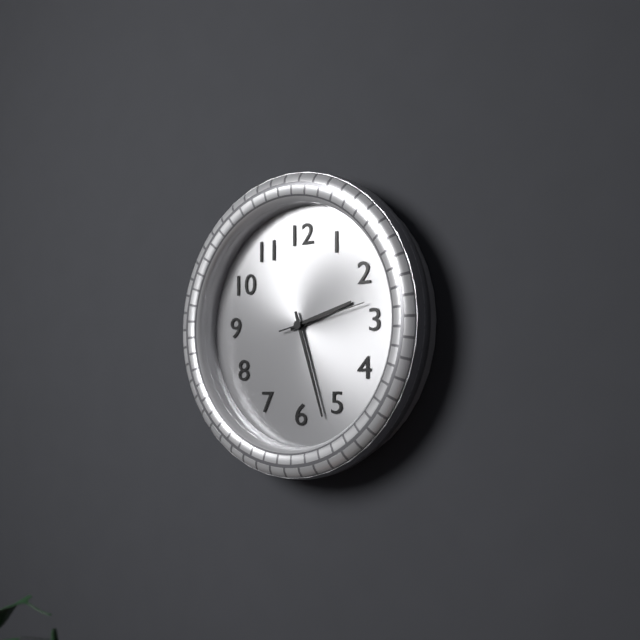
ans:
**2:27:13**
